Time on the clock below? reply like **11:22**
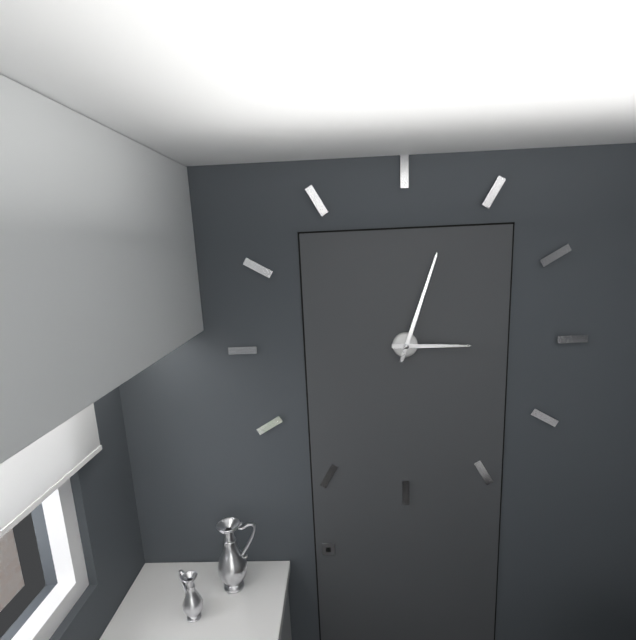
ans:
**3:03**
